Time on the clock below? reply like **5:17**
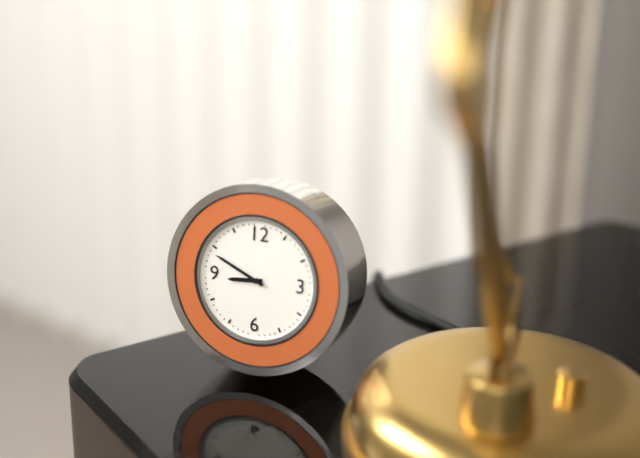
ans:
**8:49**
